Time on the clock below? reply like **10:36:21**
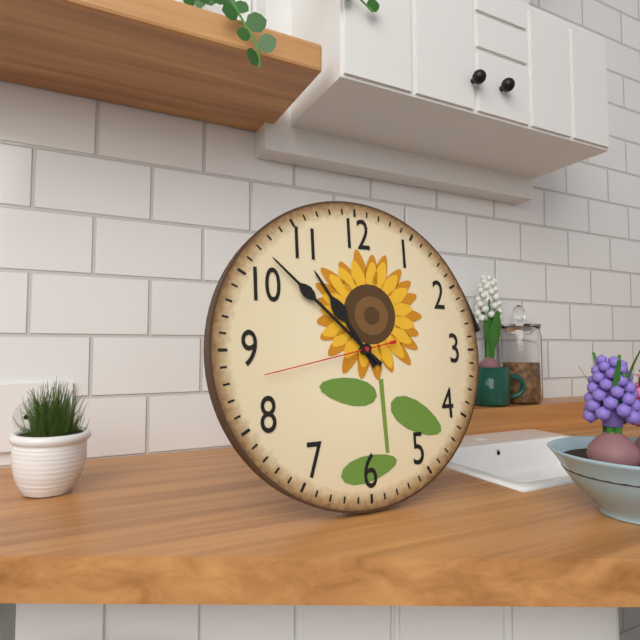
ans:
**10:52:43**
